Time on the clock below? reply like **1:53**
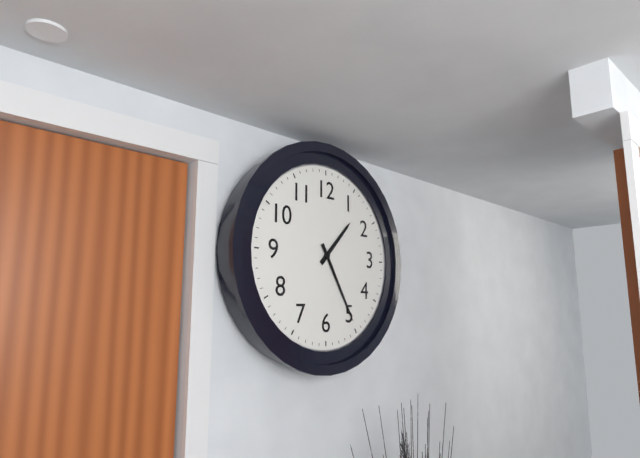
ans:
**1:25**
